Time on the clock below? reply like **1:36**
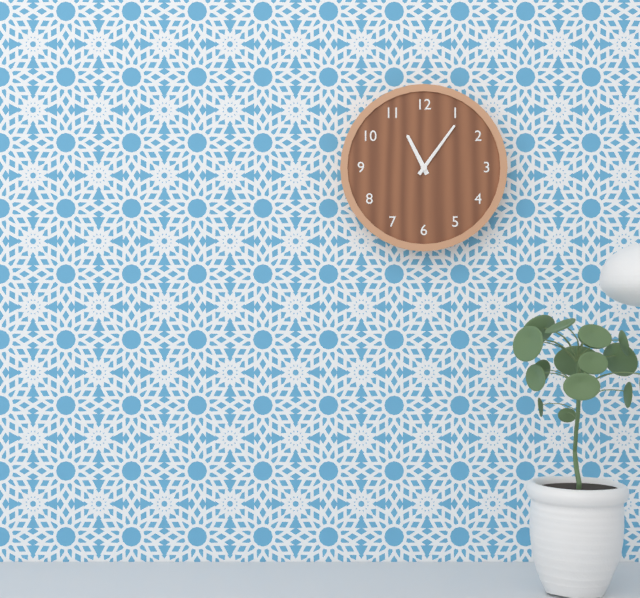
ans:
**11:06**
